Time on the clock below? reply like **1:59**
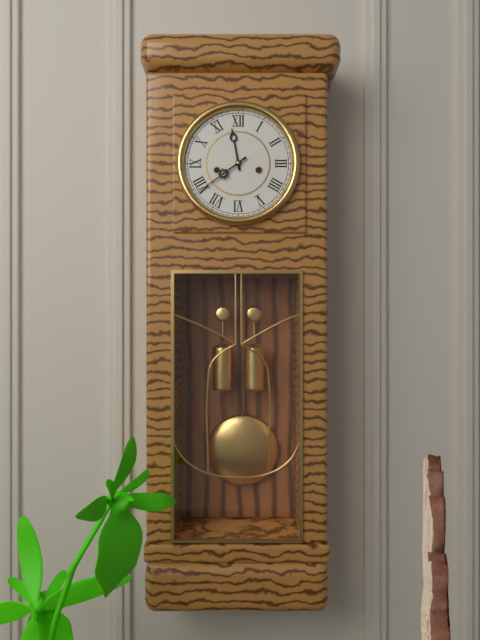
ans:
**11:39**
